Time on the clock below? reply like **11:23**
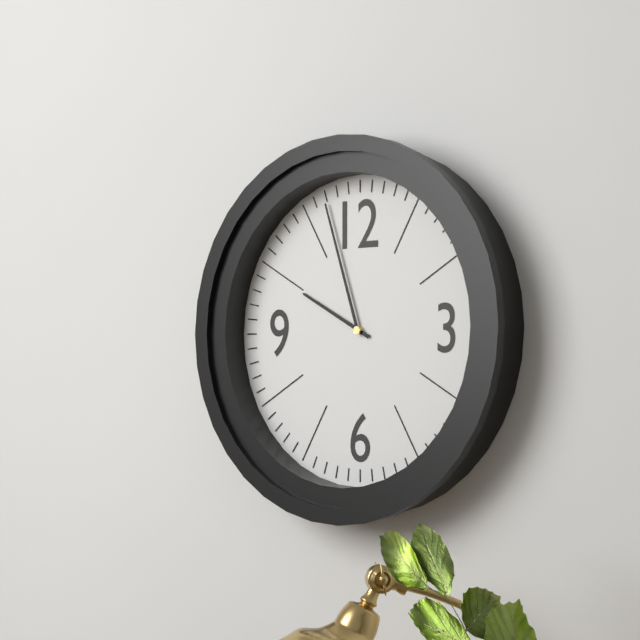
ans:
**9:57**
